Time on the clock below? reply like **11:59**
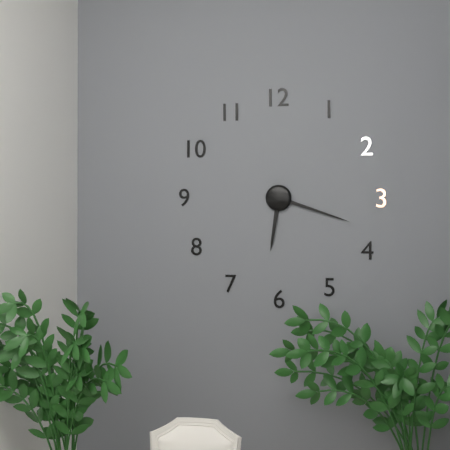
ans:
**6:18**
